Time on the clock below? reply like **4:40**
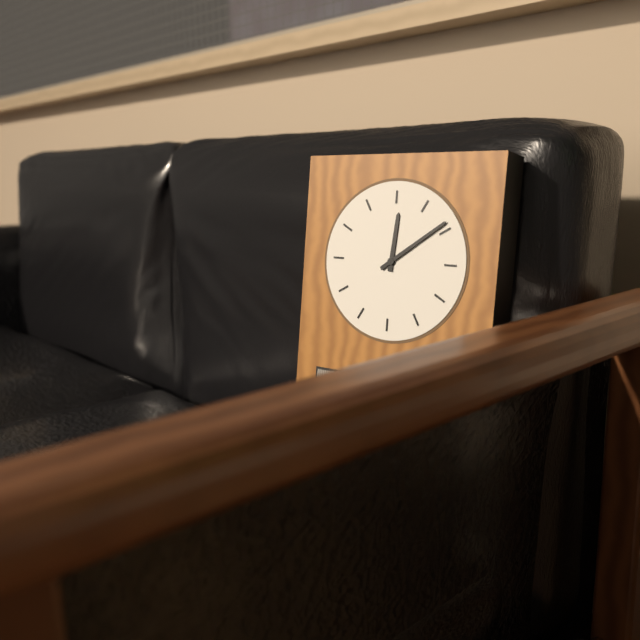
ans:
**12:09**
